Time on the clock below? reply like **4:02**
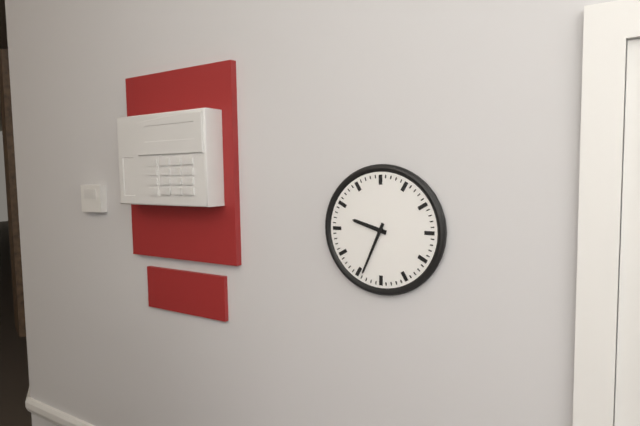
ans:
**9:34**
